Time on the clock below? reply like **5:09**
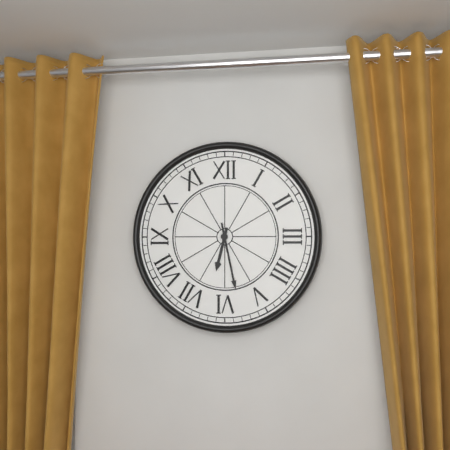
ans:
**6:28**
